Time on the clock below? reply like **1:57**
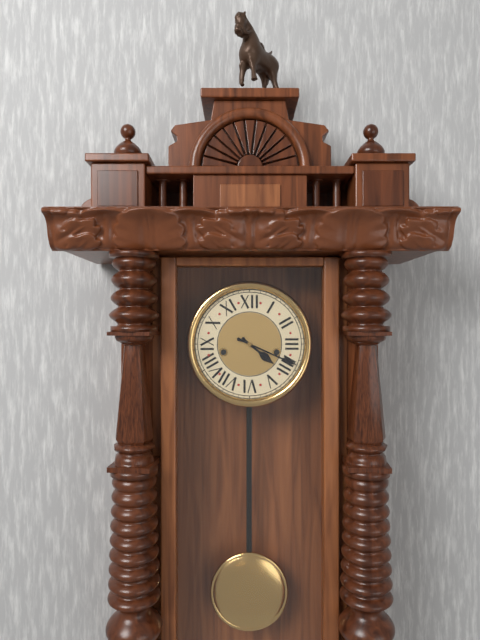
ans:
**4:19**
